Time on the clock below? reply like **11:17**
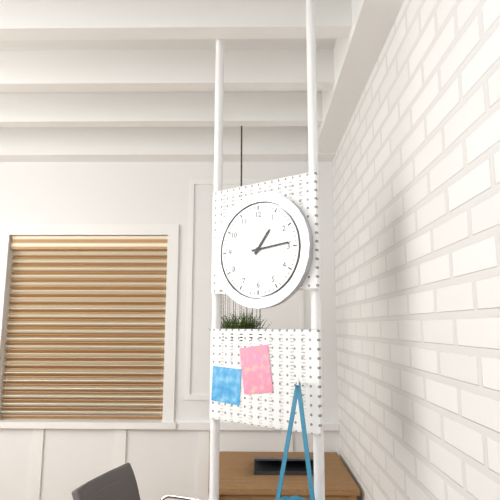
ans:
**1:14**
